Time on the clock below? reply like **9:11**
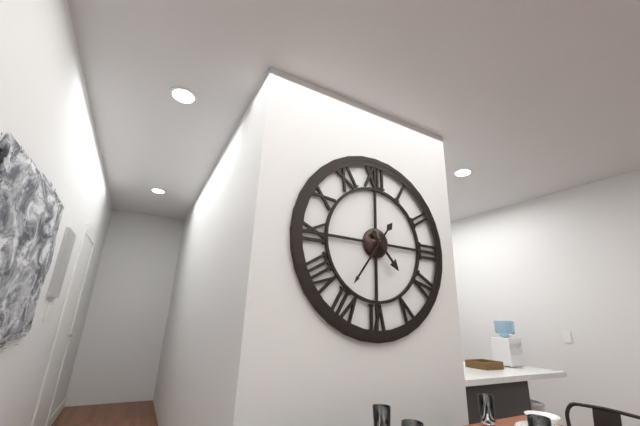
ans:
**4:36**
